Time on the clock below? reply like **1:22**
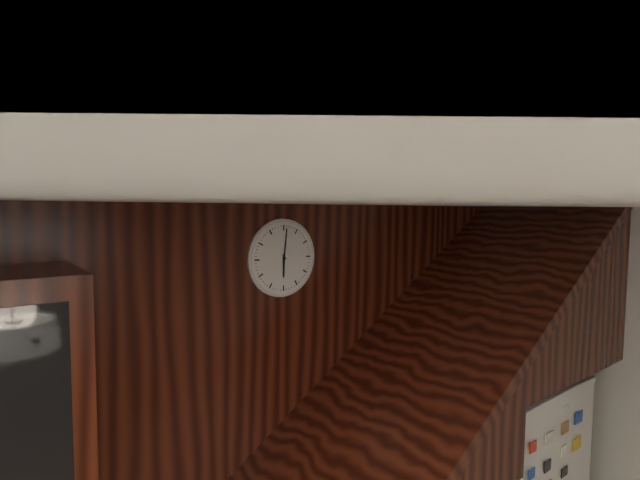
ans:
**6:01**
